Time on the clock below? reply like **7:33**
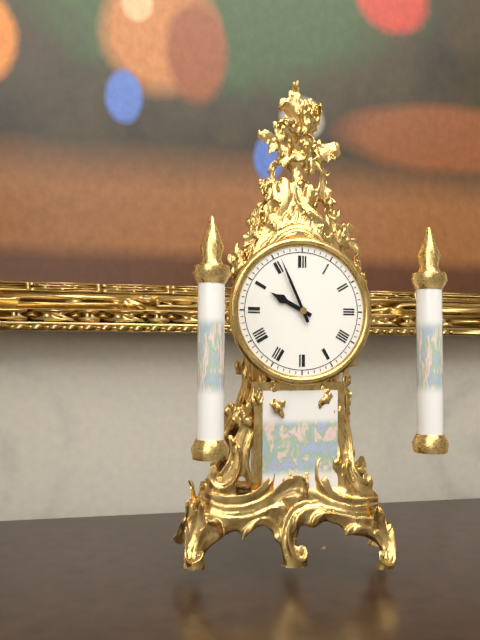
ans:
**9:56**
